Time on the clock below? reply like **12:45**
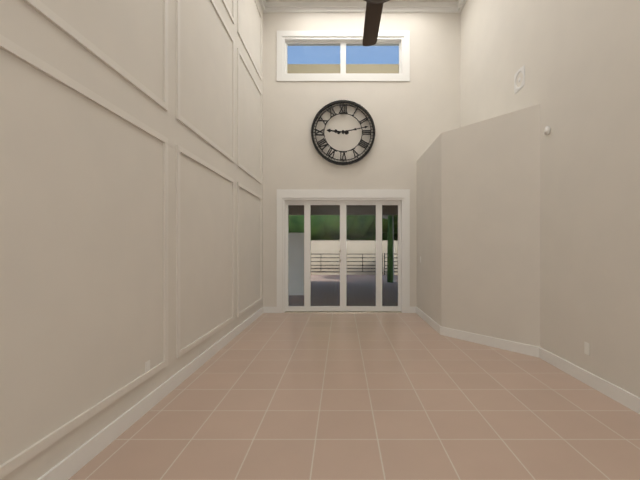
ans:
**9:13**
